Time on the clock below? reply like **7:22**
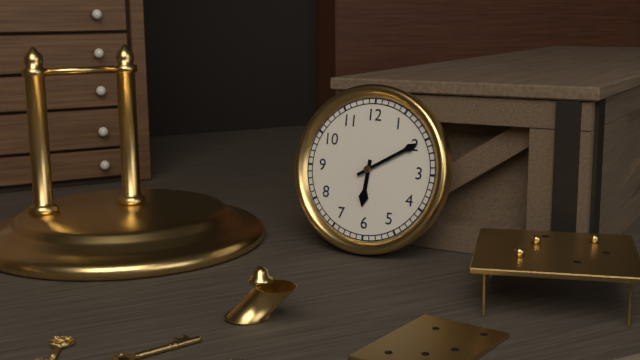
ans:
**6:10**
